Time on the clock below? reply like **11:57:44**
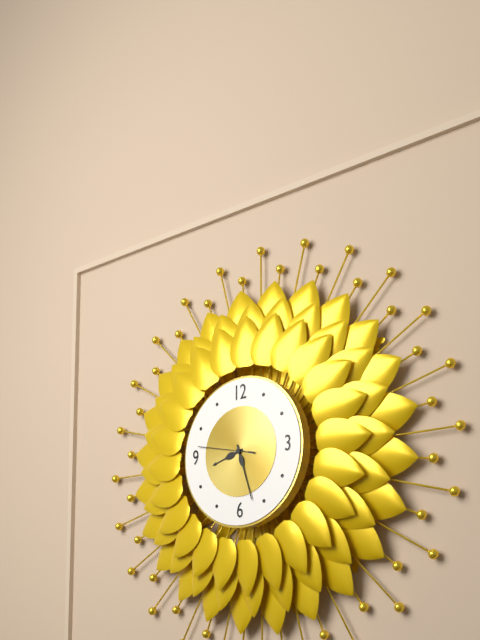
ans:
**8:27:47**
